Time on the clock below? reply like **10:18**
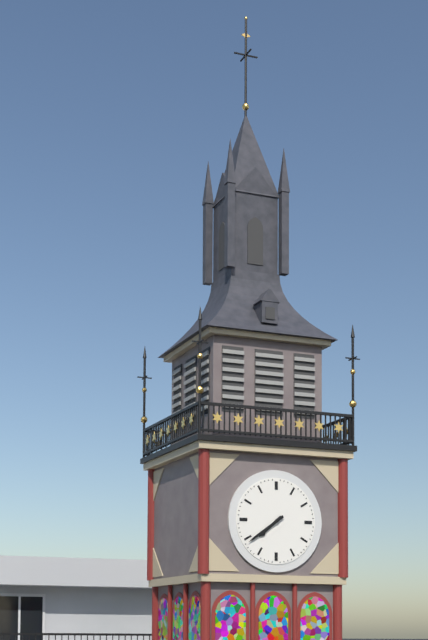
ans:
**7:39**
